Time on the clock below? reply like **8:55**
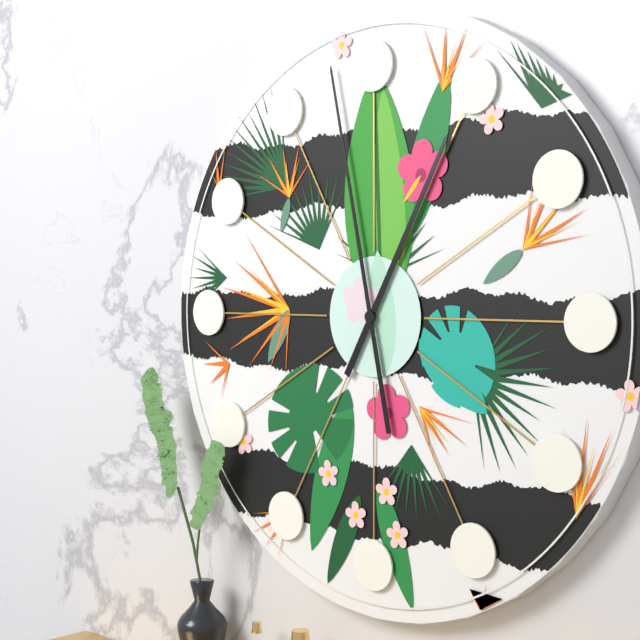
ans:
**12:58**
